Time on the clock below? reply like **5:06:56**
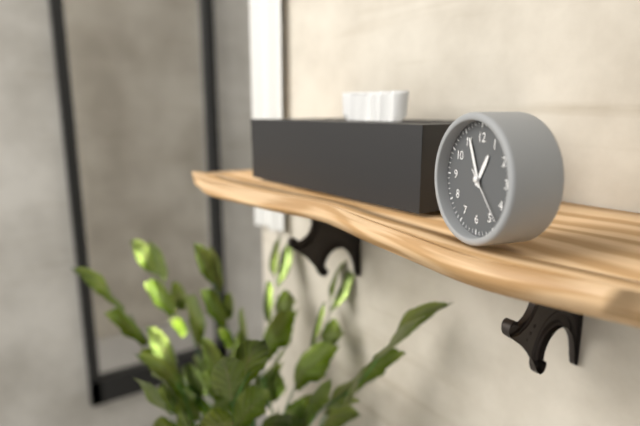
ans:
**12:56:23**
